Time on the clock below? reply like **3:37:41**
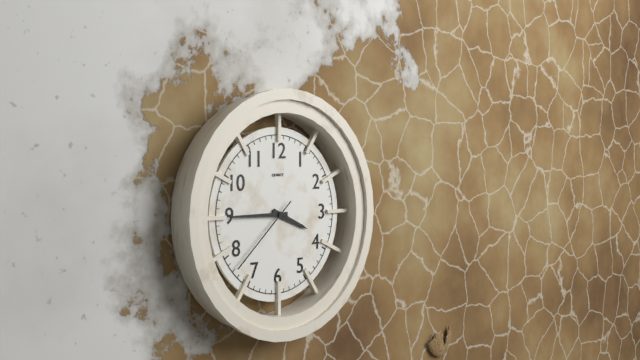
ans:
**3:45:38**
